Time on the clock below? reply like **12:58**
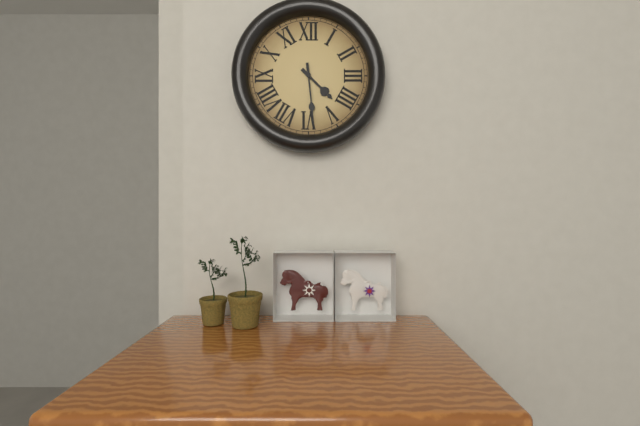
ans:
**4:29**
